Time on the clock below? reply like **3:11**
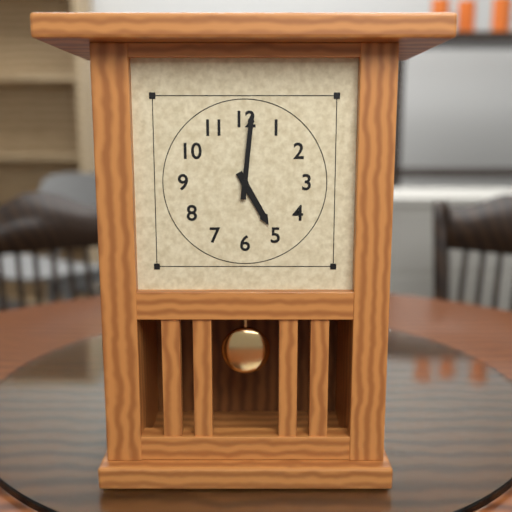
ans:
**5:01**
